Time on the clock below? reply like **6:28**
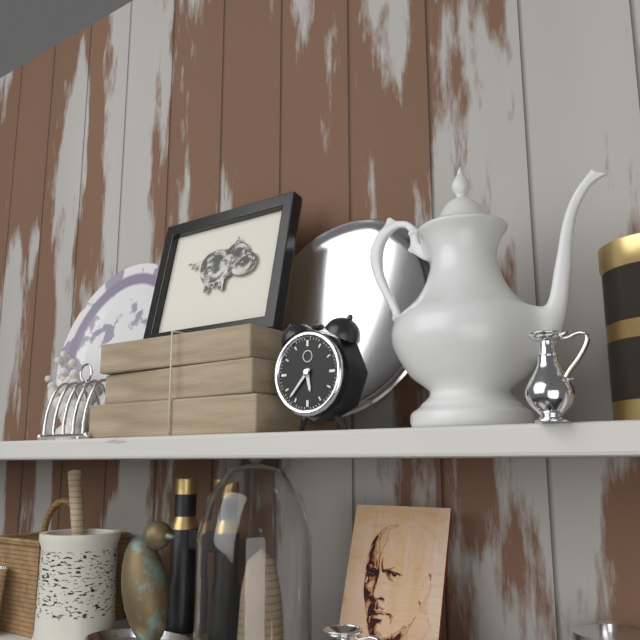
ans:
**5:37**
